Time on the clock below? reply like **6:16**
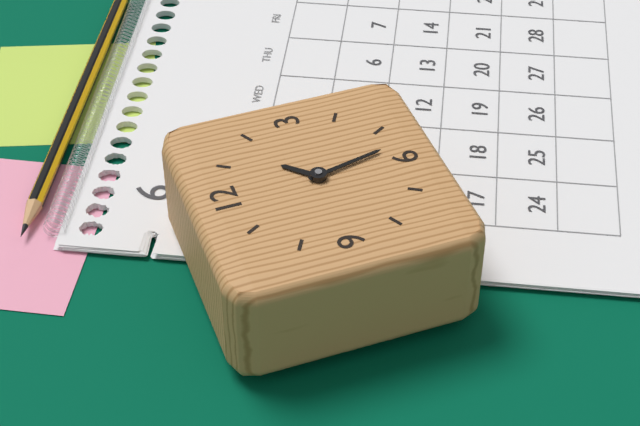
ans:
**1:28**
